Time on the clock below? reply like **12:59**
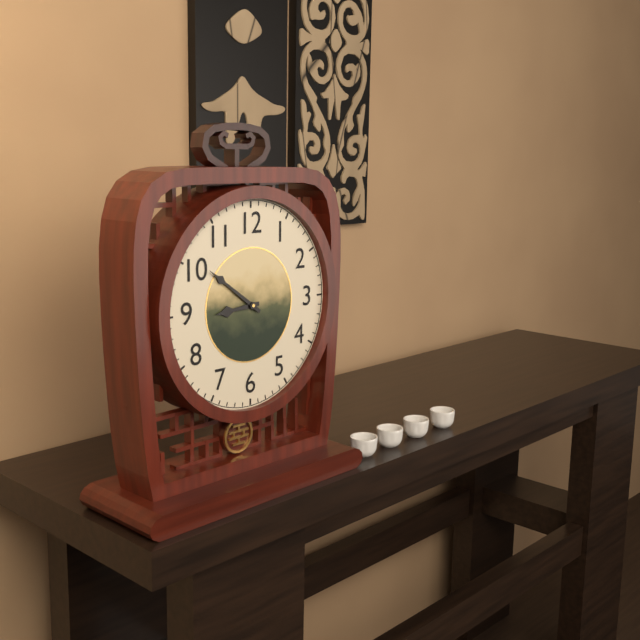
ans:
**8:51**
